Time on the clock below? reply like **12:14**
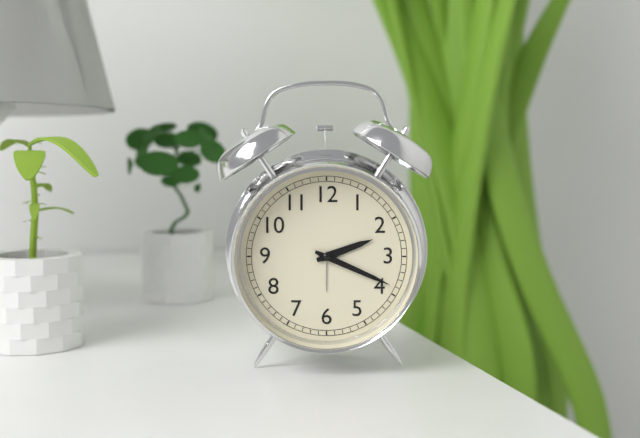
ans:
**2:19**
